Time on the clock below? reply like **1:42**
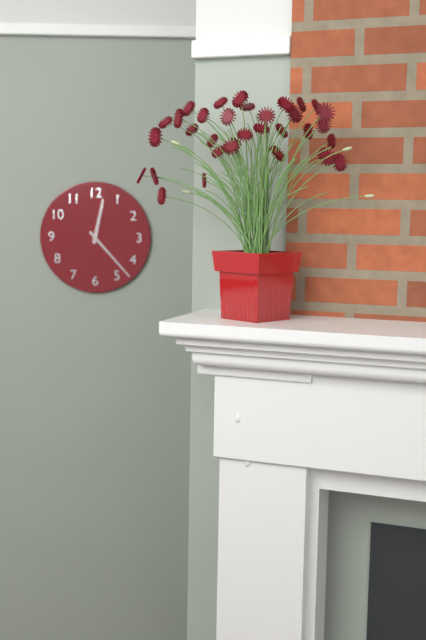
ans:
**12:23**
